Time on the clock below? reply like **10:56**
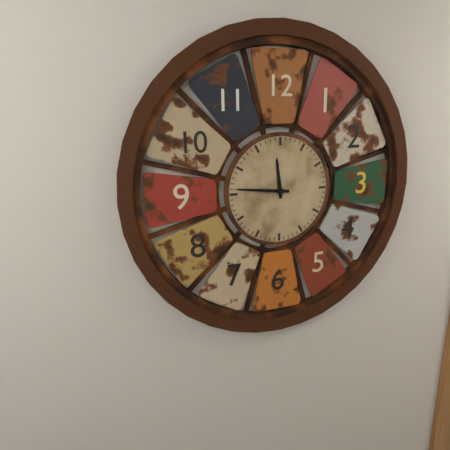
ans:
**11:46**
